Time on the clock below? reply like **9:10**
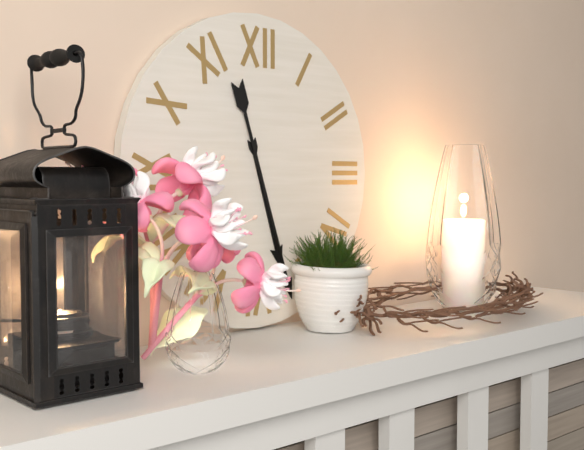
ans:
**5:27**
